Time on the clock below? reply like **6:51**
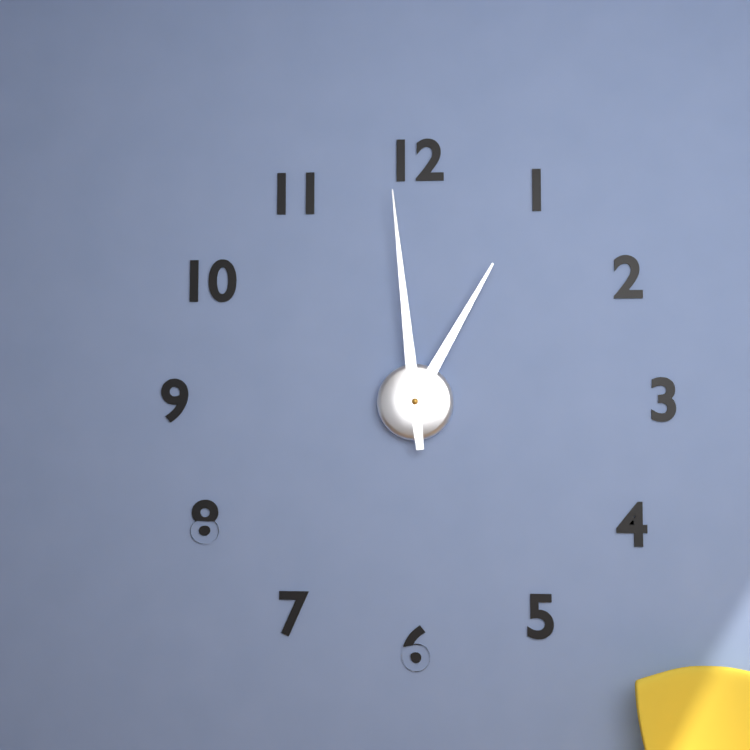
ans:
**12:59**
